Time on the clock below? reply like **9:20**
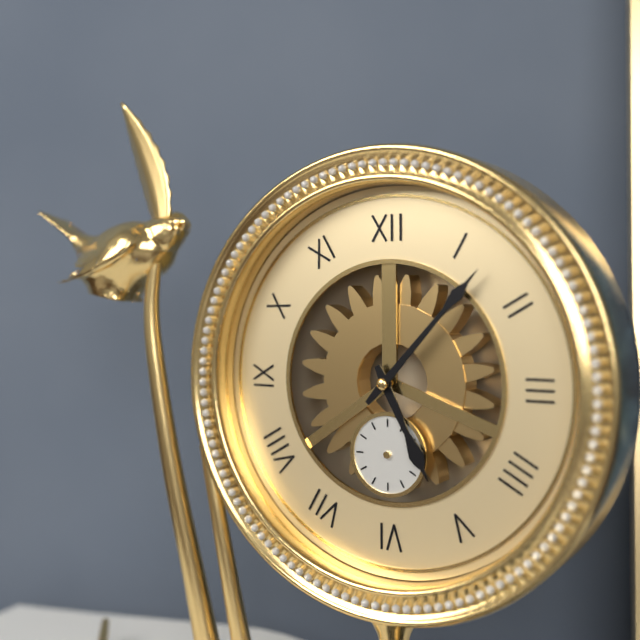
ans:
**5:07**
